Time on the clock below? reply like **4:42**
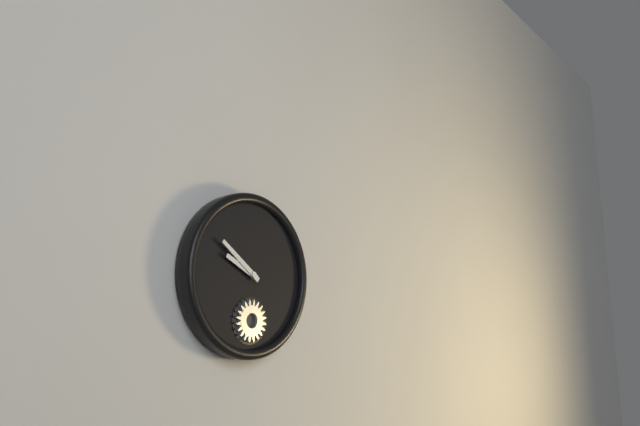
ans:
**9:51**
